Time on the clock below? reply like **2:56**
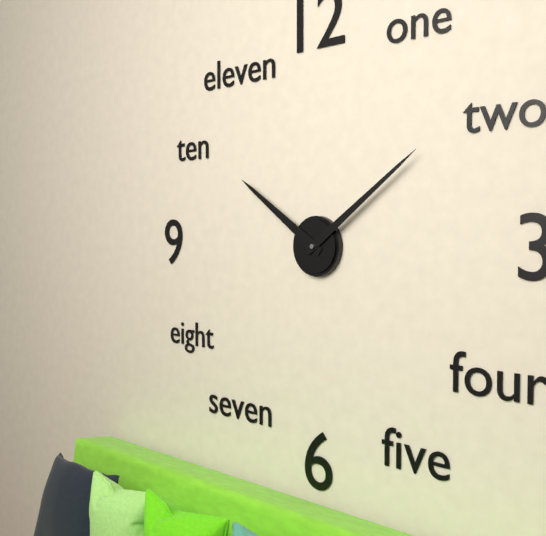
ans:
**10:09**
